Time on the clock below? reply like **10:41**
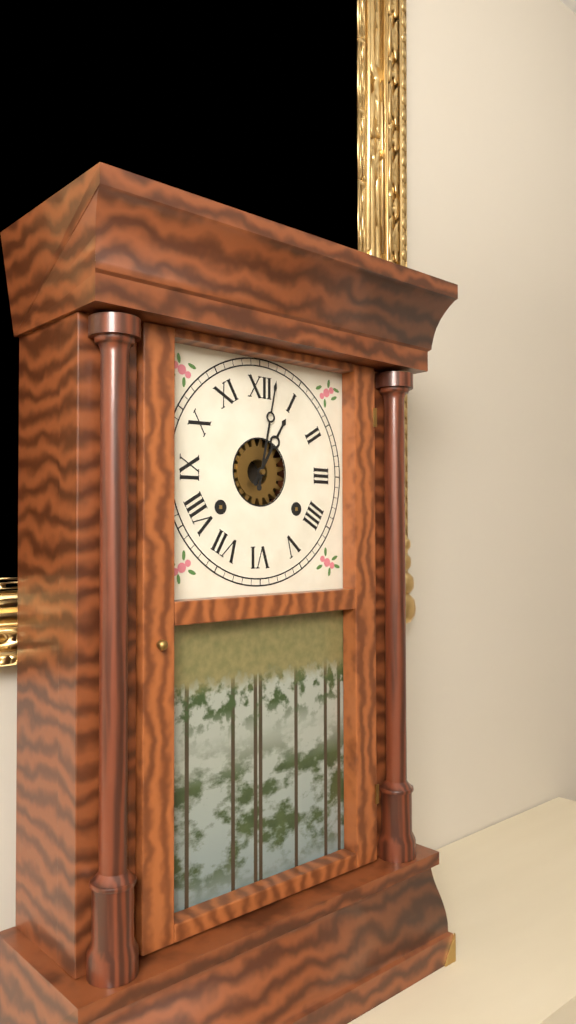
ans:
**1:02**
